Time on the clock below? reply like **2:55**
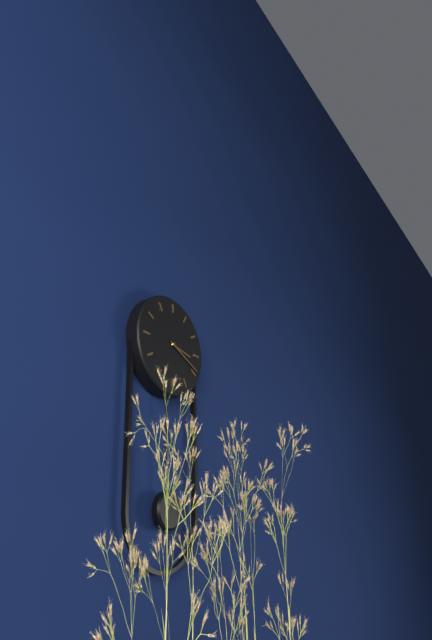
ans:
**3:19**
